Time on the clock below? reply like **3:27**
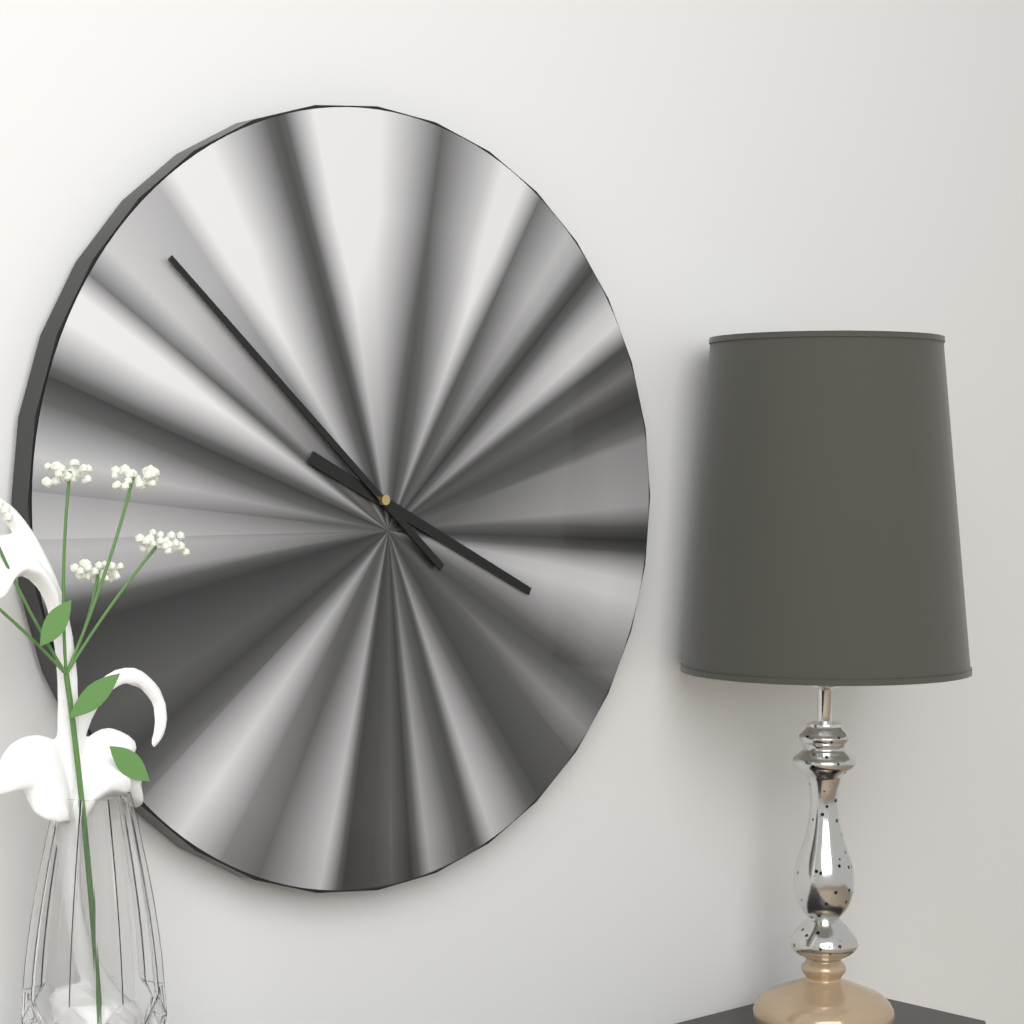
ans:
**3:52**
